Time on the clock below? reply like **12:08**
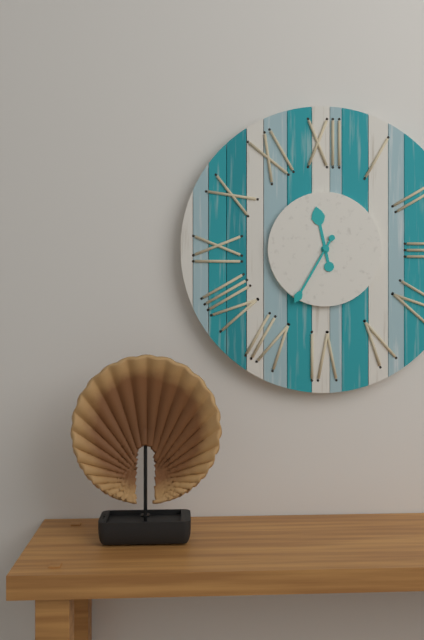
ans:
**11:35**
